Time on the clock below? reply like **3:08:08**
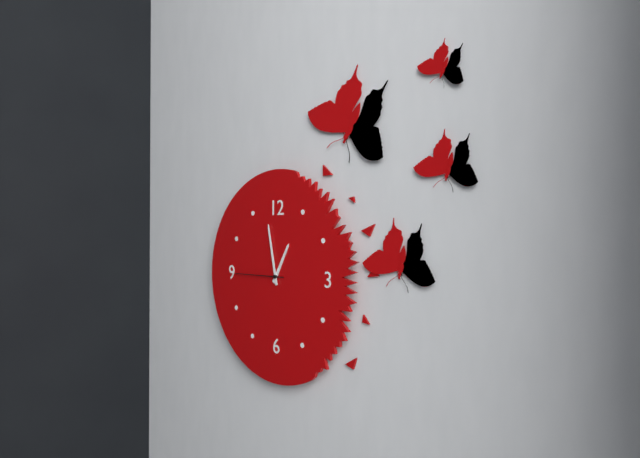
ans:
**12:58:45**
